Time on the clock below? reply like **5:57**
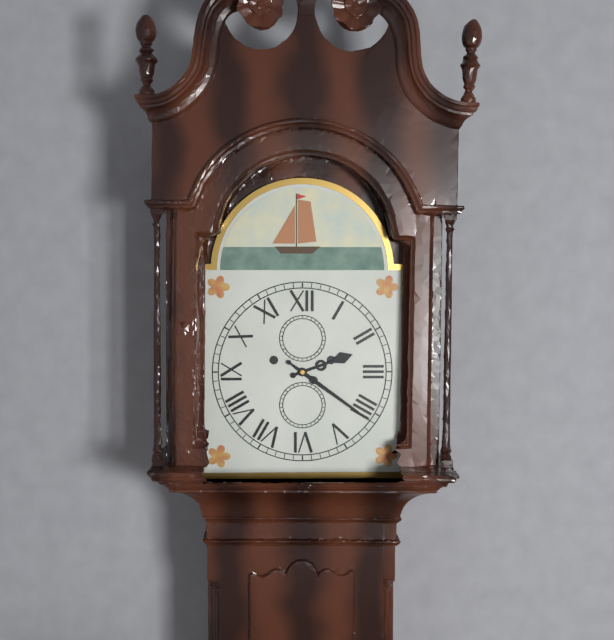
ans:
**2:21**
